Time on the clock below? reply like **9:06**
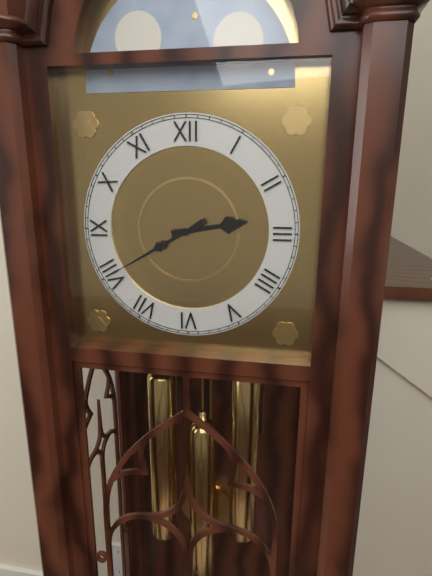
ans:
**2:40**
